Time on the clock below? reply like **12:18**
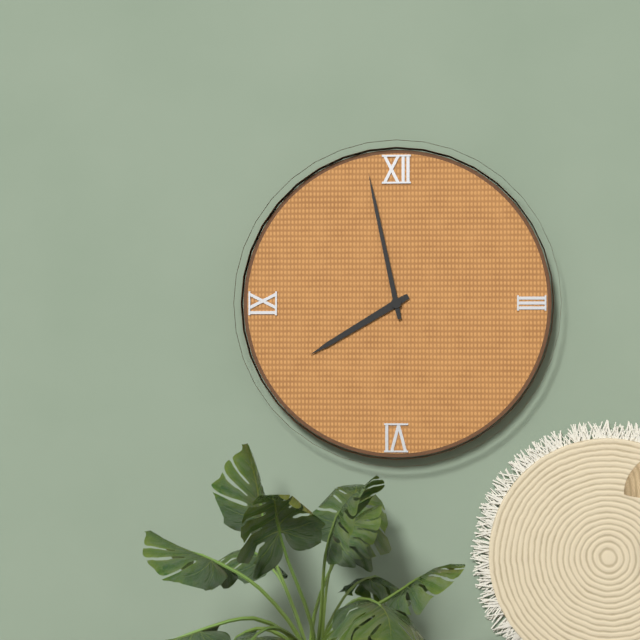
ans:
**7:58**
